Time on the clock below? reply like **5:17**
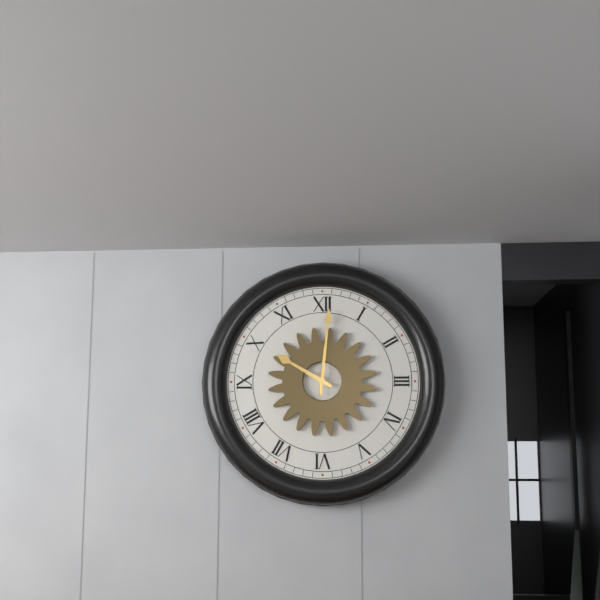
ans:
**10:01**
